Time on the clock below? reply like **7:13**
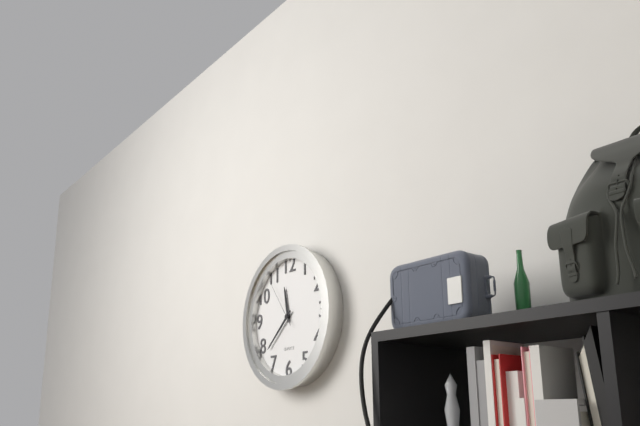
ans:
**11:38**
